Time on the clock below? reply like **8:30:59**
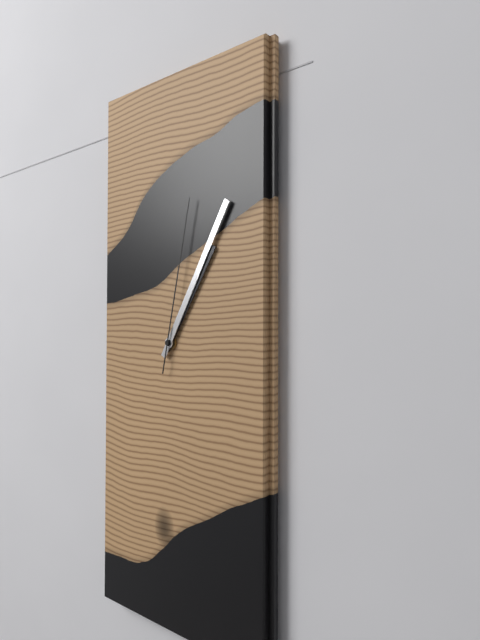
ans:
**1:05:02**
